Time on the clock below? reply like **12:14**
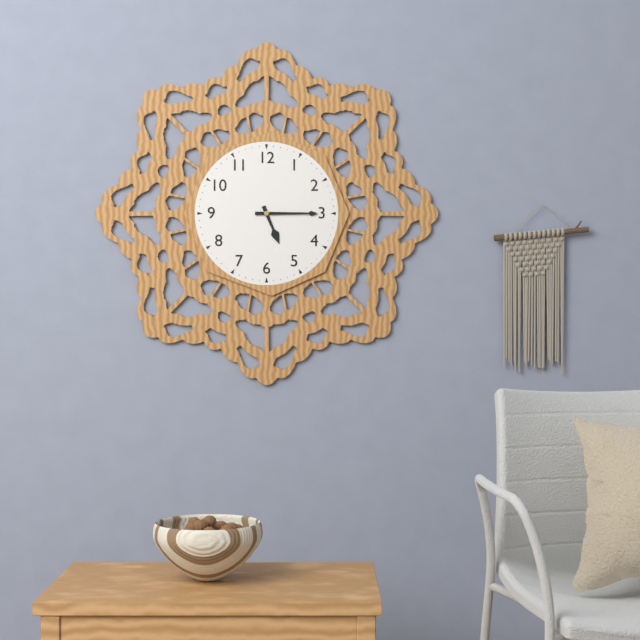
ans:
**5:15**
